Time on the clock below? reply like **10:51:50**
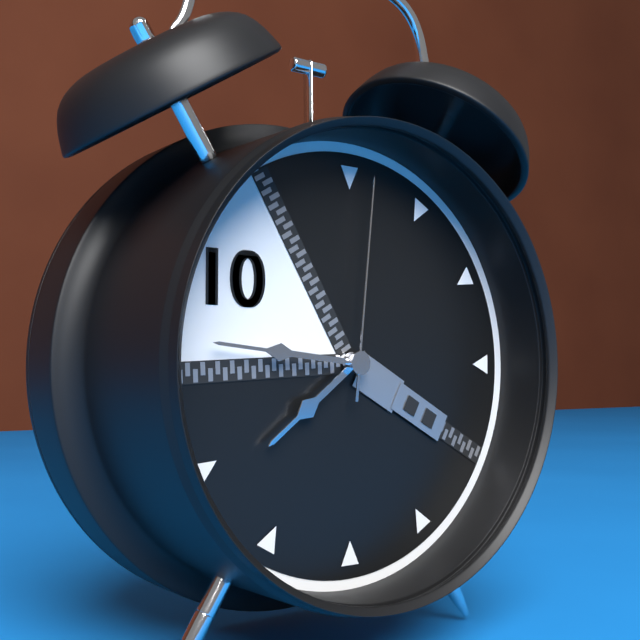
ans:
**7:46:01**
